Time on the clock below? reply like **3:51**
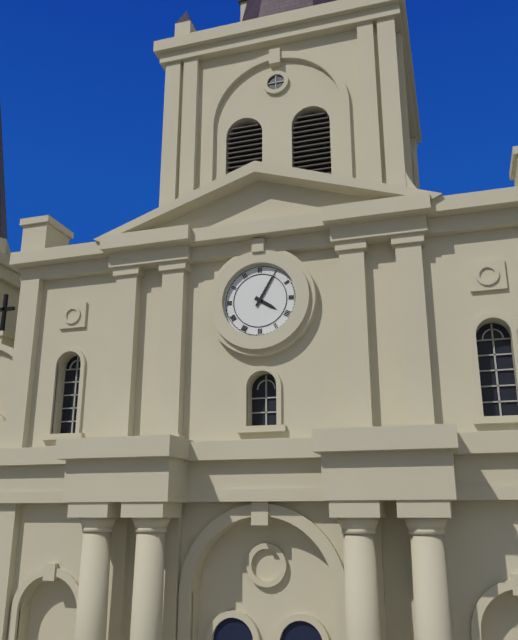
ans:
**4:05**
